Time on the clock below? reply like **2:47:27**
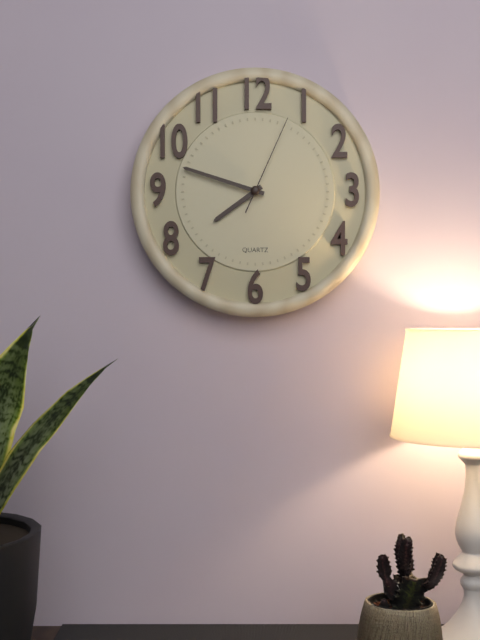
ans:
**7:48:04**
